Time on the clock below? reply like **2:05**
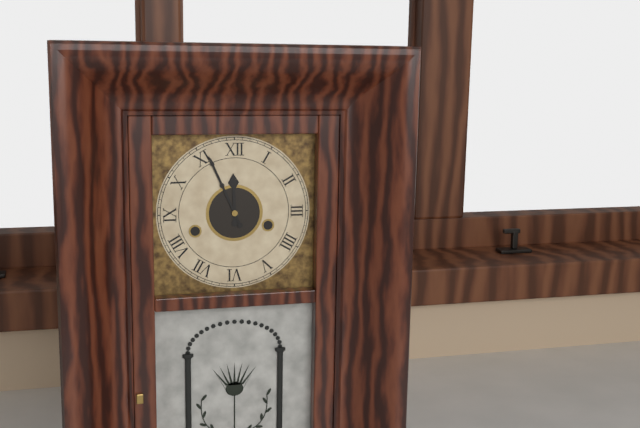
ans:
**11:56**
